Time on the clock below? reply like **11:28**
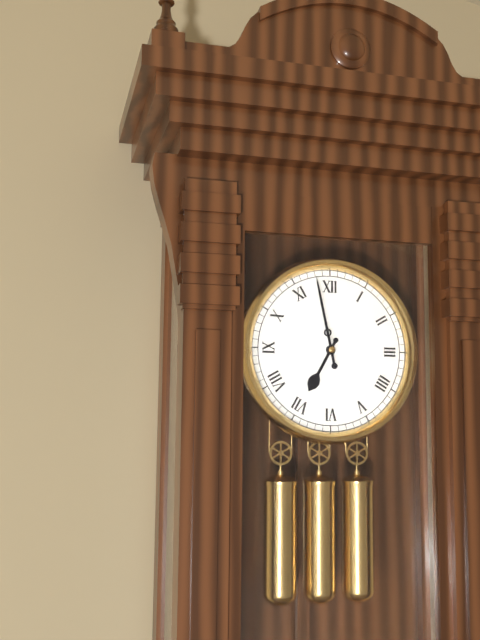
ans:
**6:58**
